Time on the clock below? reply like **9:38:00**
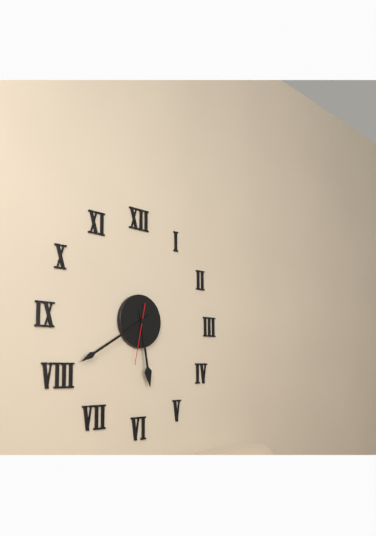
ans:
**5:40:32**
